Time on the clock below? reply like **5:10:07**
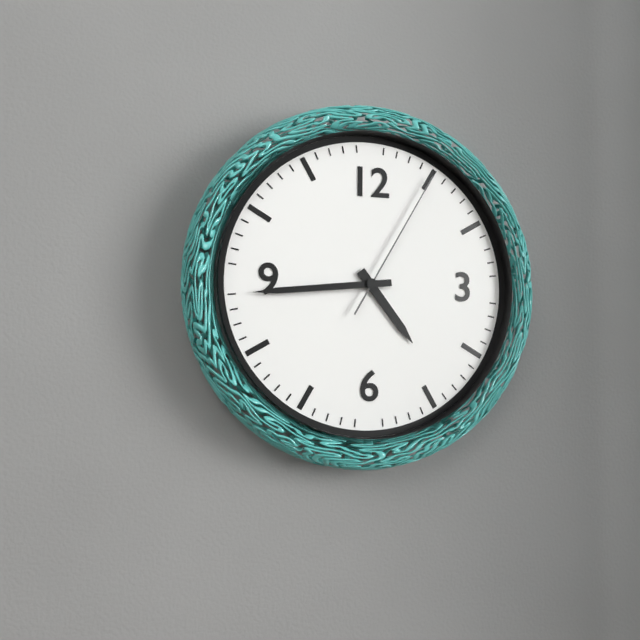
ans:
**4:44:05**
